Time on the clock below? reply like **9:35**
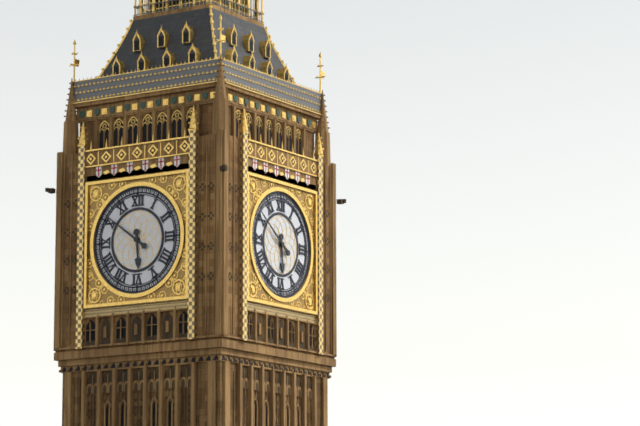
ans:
**5:51**
